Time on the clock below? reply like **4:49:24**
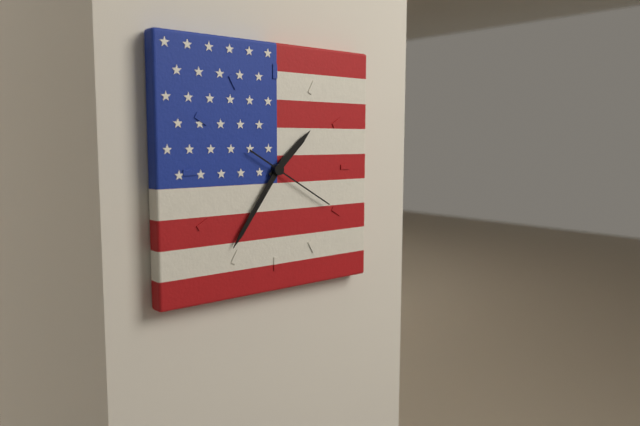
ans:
**1:36:20**
